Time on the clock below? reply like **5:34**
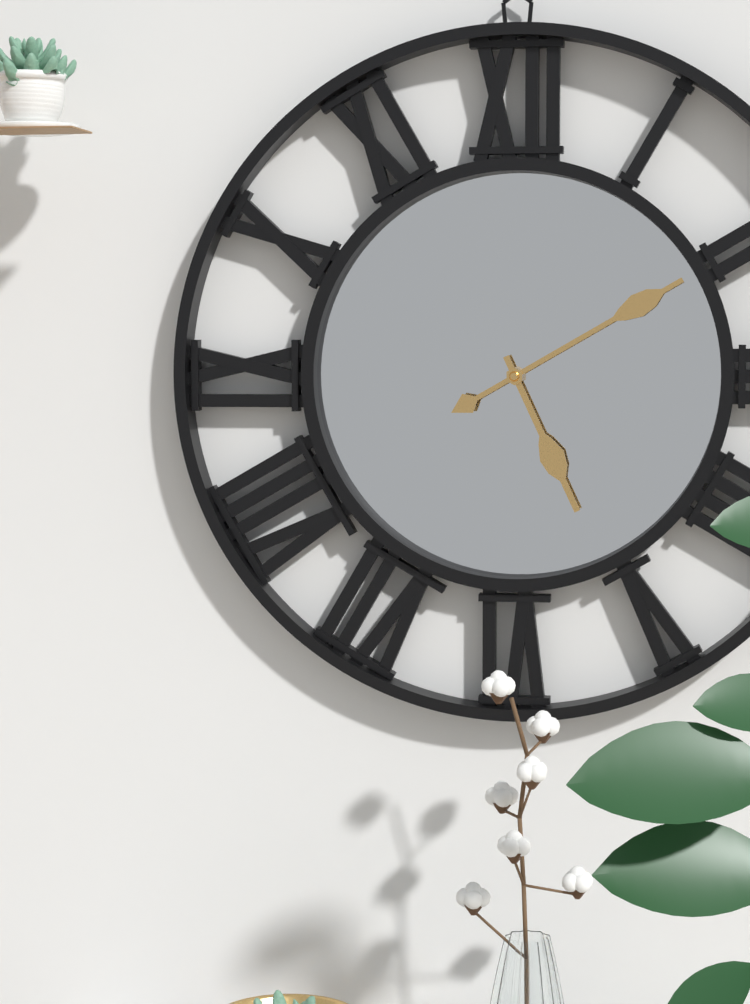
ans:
**5:10**
